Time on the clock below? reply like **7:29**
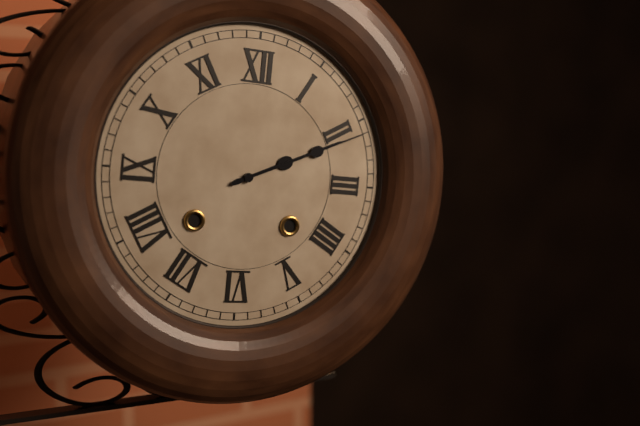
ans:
**2:11**
